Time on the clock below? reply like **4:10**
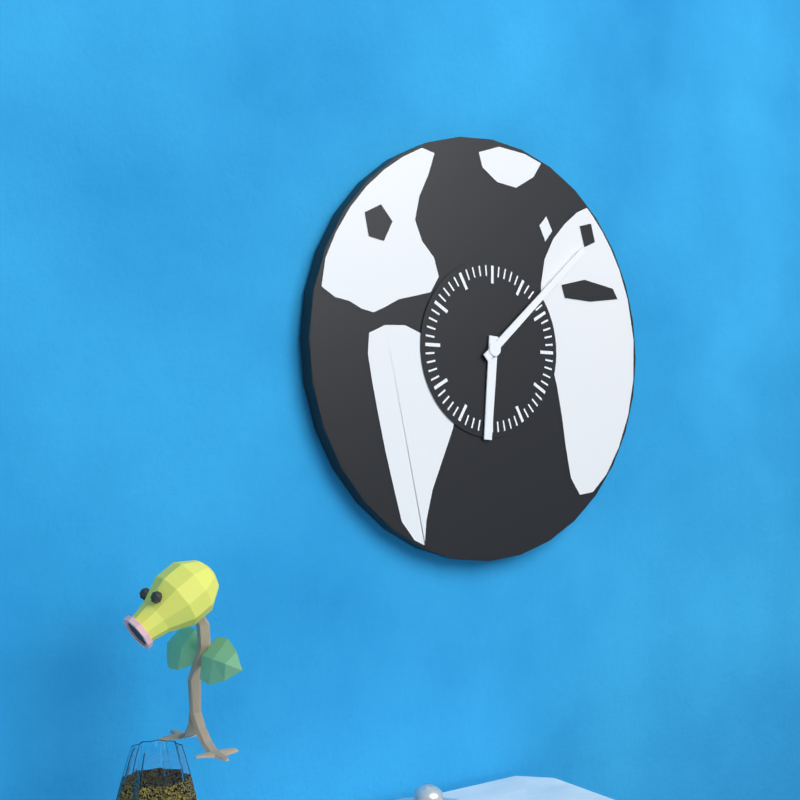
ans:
**6:08**
